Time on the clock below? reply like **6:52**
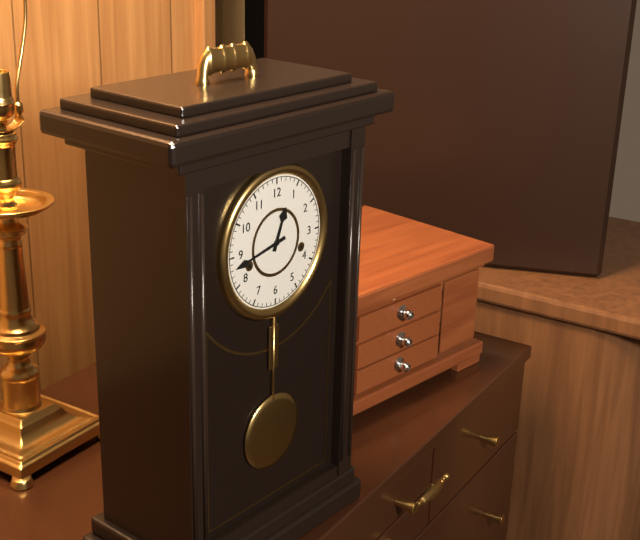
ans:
**12:43**
